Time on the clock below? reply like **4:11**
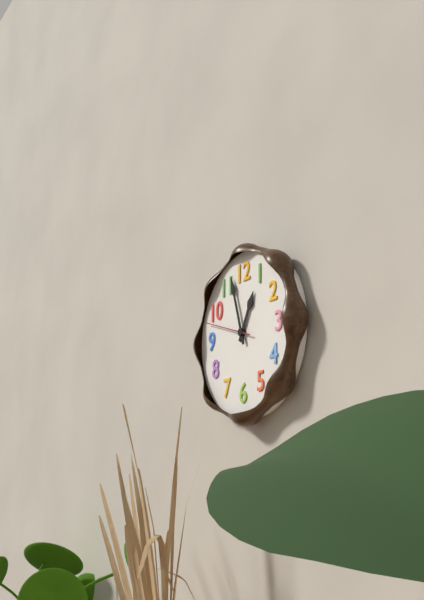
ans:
**12:57**
